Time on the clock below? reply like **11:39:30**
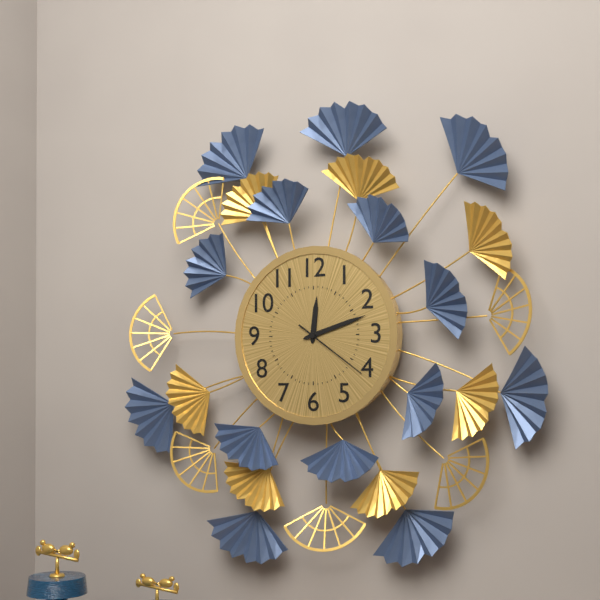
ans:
**12:12:21**
